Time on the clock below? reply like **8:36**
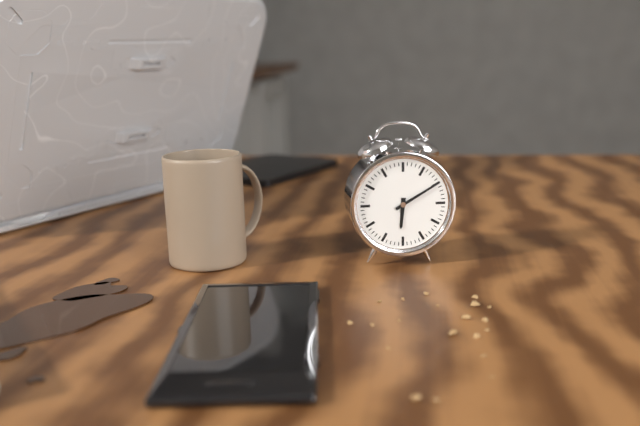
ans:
**6:10**
